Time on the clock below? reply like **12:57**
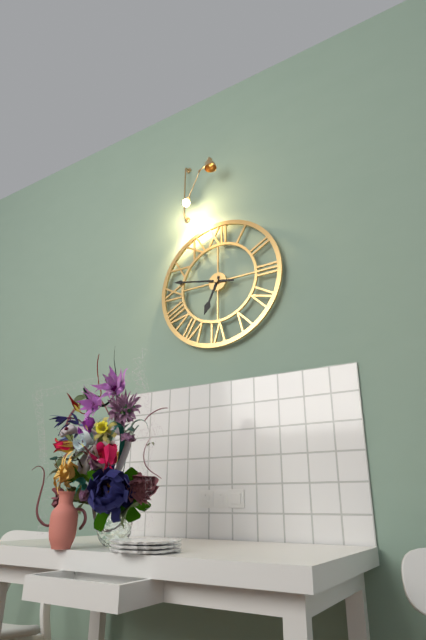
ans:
**6:47**
